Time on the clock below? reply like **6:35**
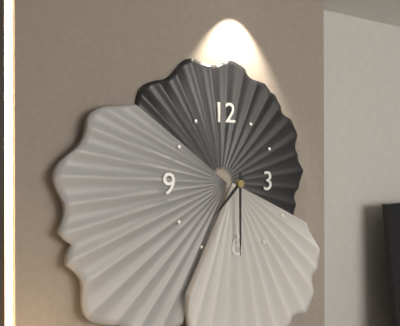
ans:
**7:30**
